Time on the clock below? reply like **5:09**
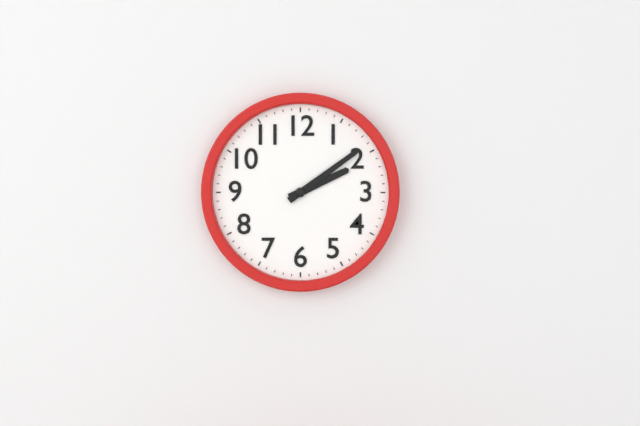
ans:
**2:09**
